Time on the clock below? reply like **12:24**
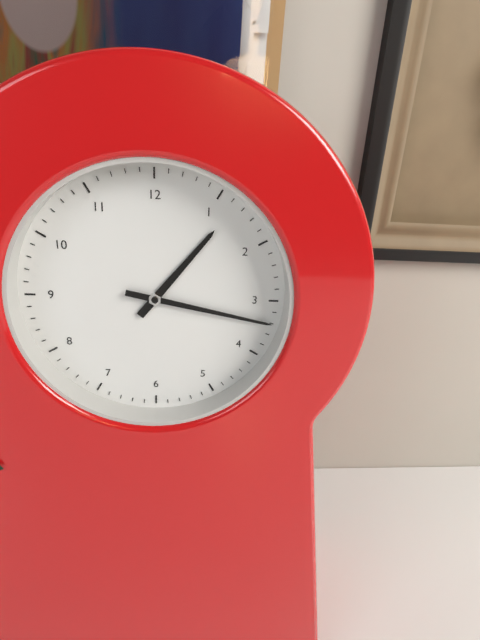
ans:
**1:17**
